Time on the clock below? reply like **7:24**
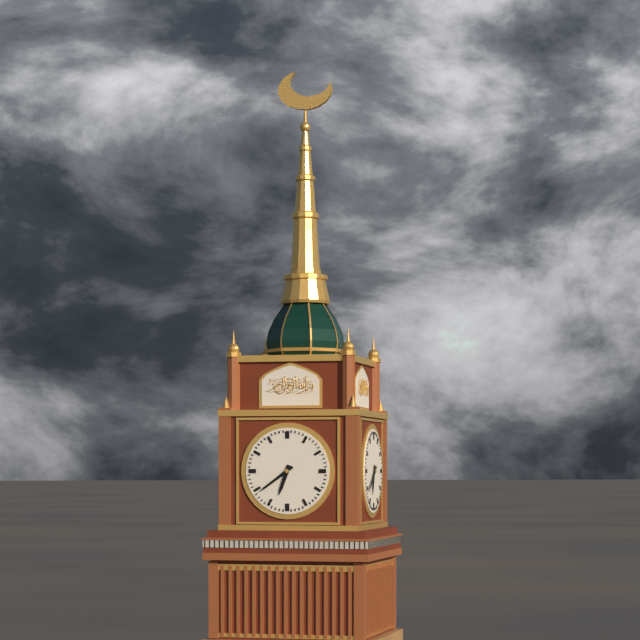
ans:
**6:39**
